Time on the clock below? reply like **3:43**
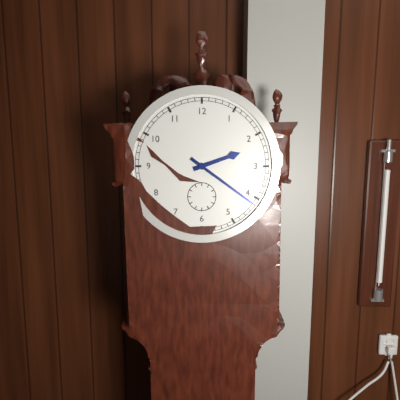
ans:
**2:21**
